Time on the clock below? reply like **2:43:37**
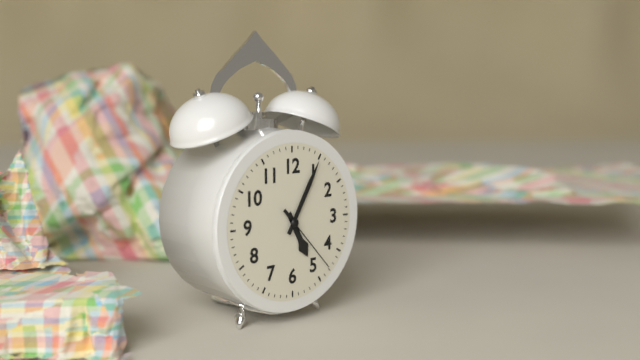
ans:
**5:05:23**
